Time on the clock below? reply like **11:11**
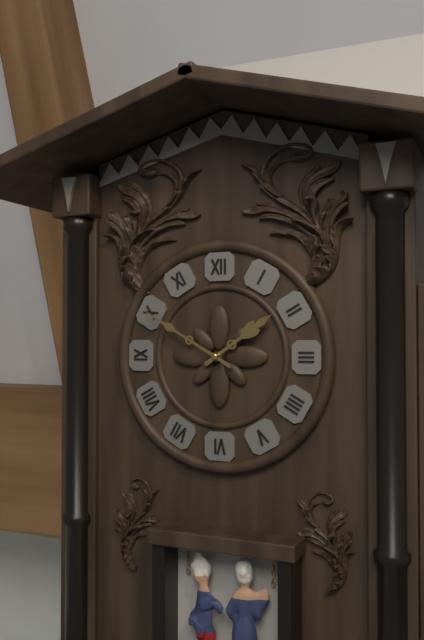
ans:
**1:50**
